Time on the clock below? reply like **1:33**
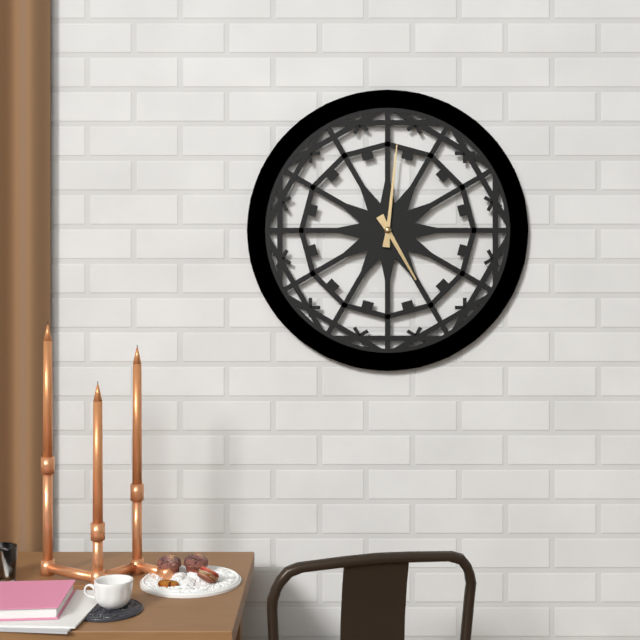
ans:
**5:01**
